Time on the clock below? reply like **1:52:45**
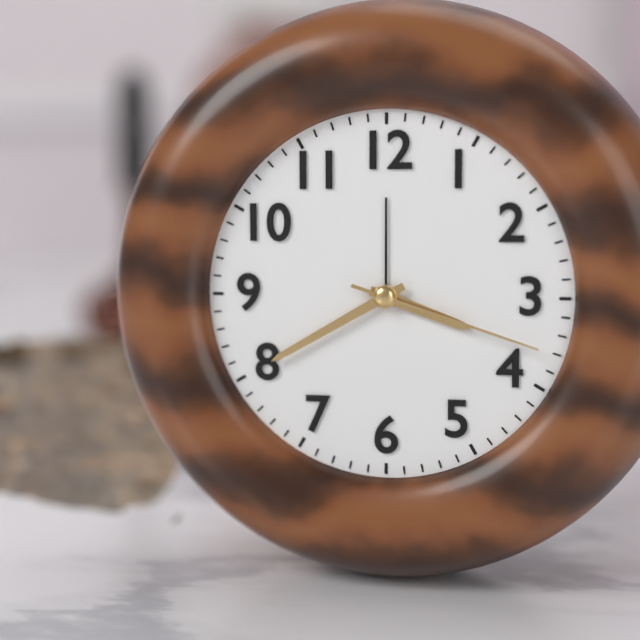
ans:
**3:40:18**
